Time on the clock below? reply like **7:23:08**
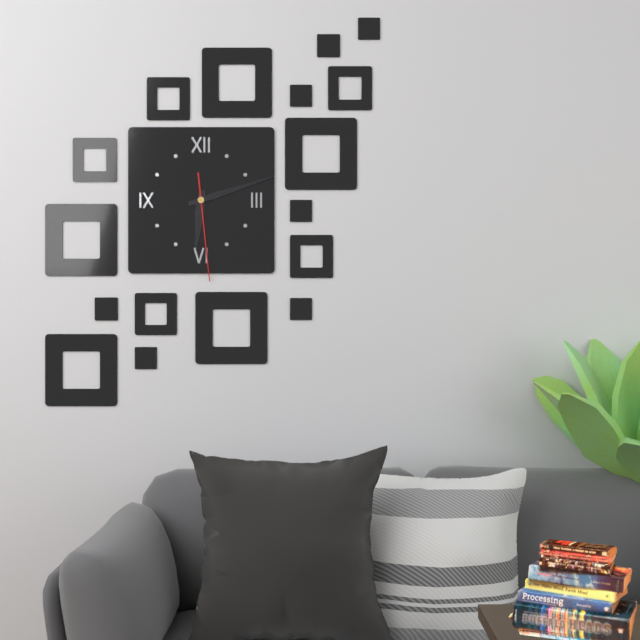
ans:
**6:12:29**
